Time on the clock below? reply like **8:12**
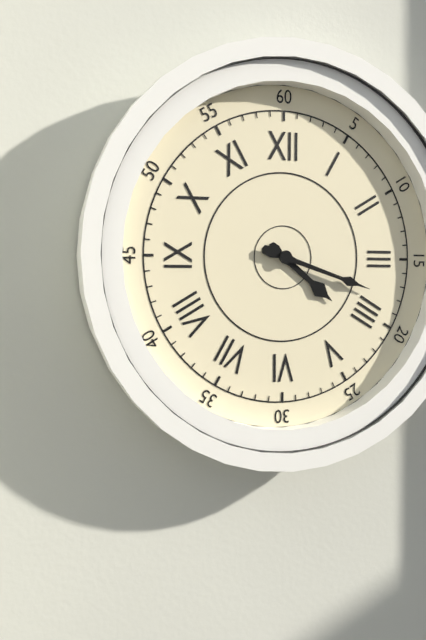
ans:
**4:18**
